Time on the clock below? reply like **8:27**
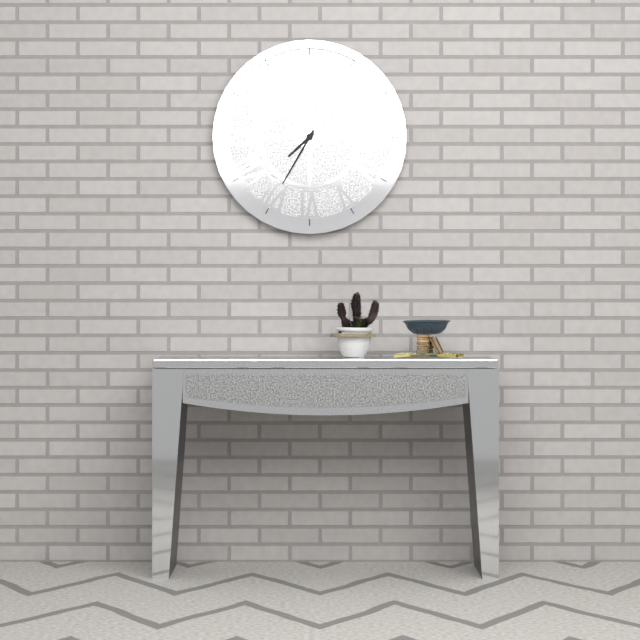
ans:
**7:35**
